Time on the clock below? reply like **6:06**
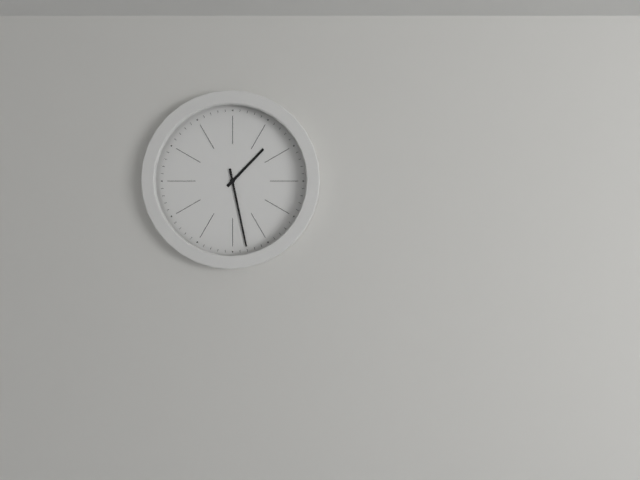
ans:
**1:28**
